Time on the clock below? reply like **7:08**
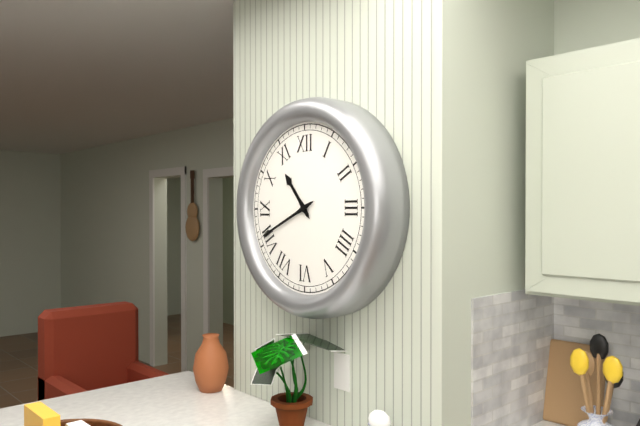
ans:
**10:41**
